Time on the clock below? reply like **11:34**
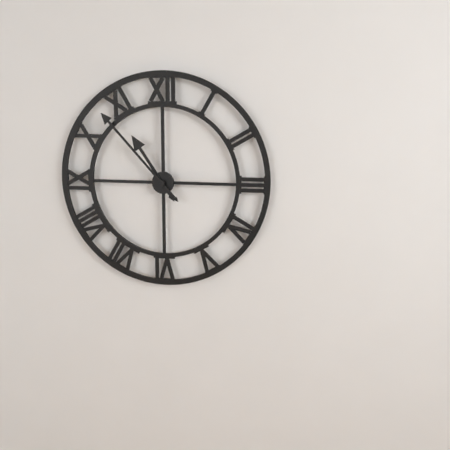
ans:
**10:53**
